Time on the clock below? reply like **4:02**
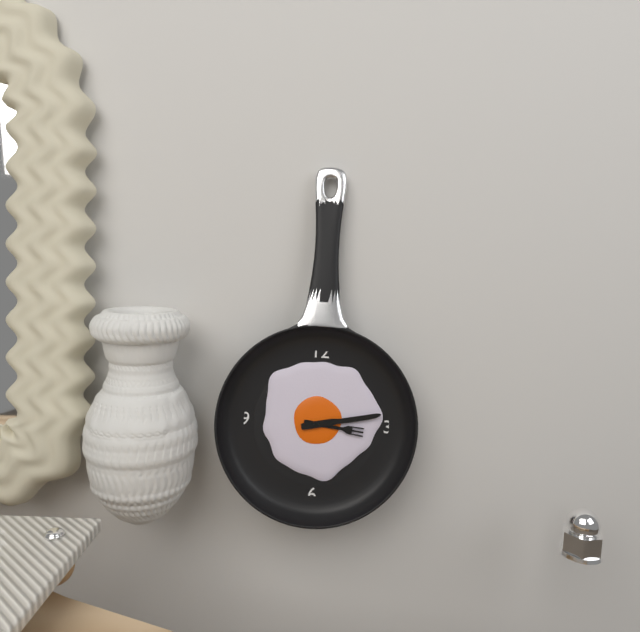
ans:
**3:13**
